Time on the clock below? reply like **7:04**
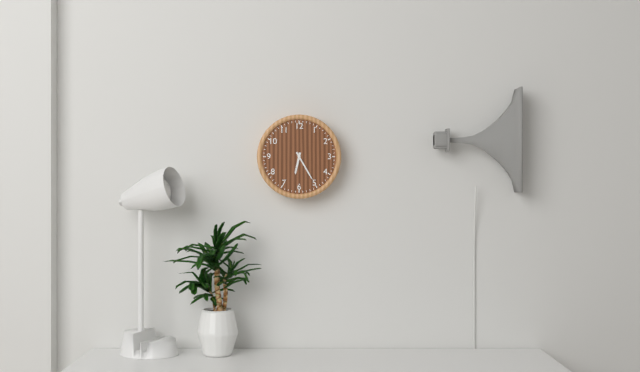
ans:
**6:25**
